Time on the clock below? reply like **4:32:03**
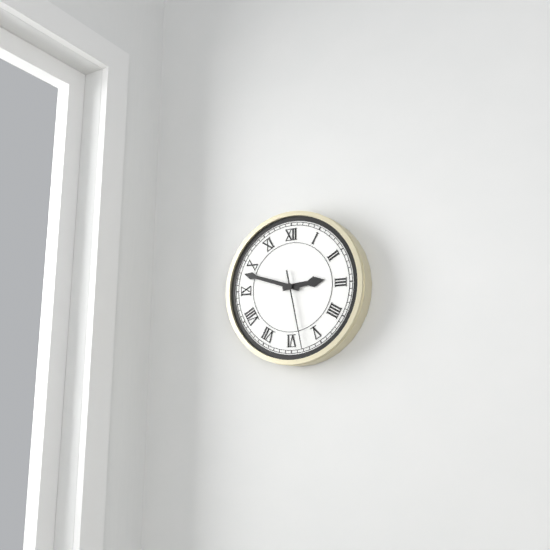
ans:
**2:48:28**
